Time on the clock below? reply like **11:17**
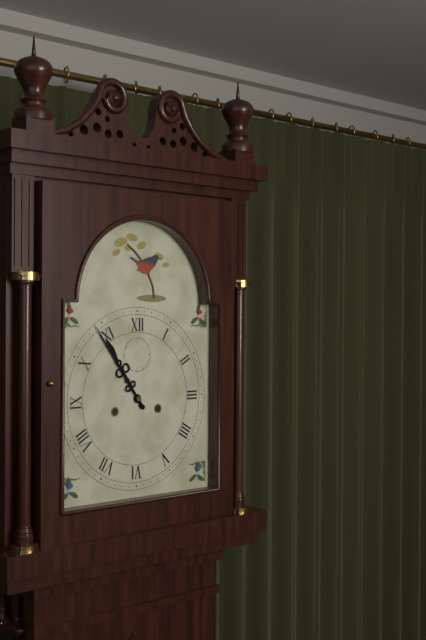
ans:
**10:54**
